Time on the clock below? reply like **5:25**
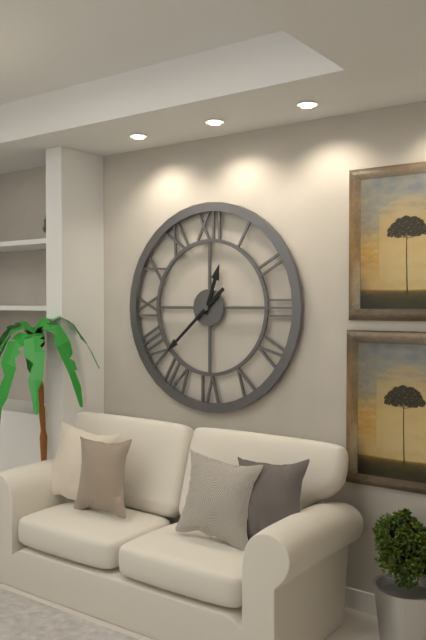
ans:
**12:38**
